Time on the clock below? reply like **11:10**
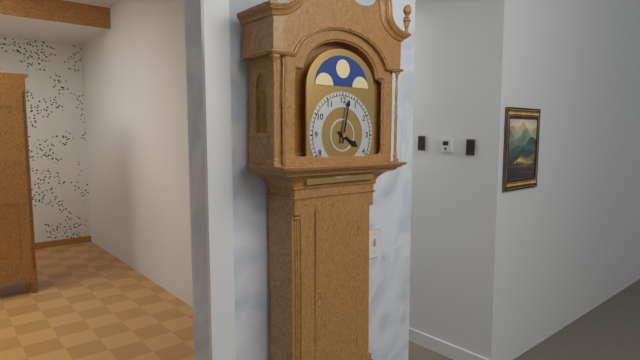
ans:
**4:02**
